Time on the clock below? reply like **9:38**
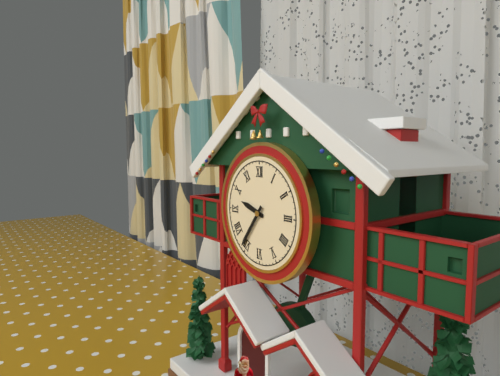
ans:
**9:36**
